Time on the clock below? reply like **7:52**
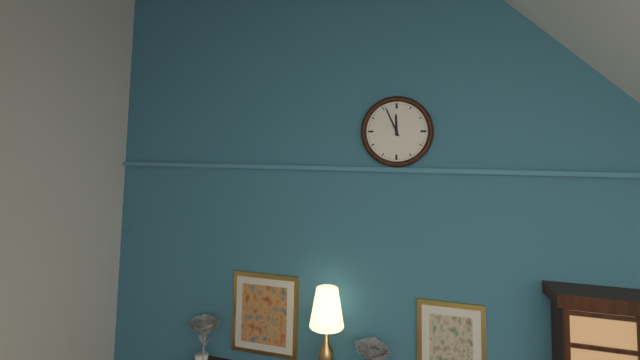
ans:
**11:56**
